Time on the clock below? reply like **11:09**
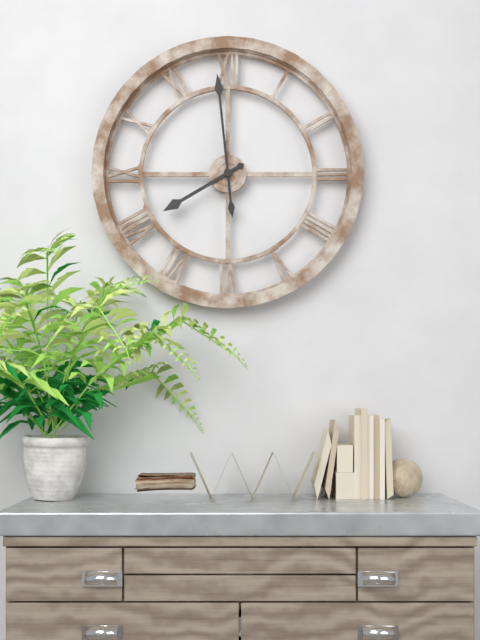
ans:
**7:59**
